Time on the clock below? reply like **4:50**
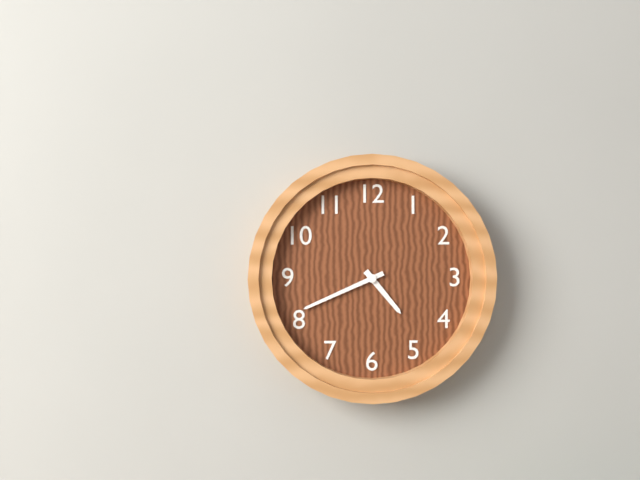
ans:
**4:41**
